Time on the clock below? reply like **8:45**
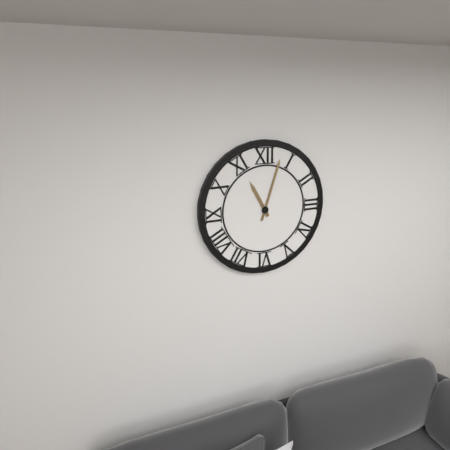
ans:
**11:03**
